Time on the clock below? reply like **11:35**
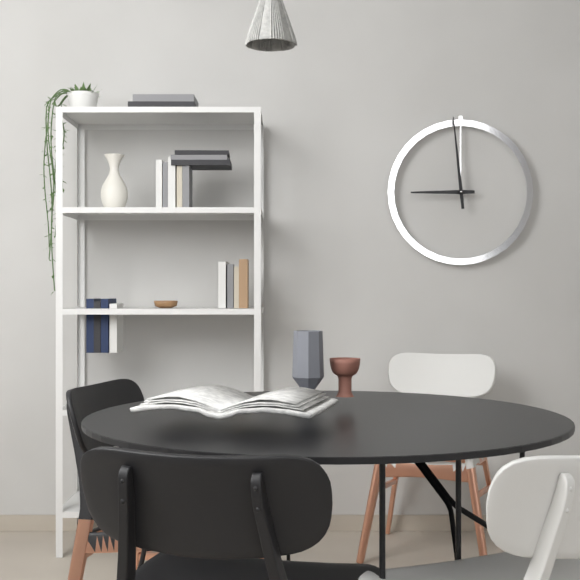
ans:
**8:59**
